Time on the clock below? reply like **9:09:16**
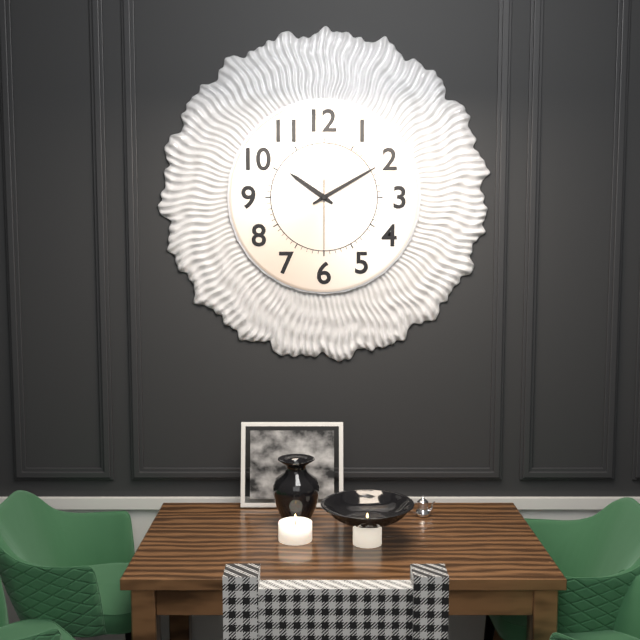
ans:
**10:10:30**
